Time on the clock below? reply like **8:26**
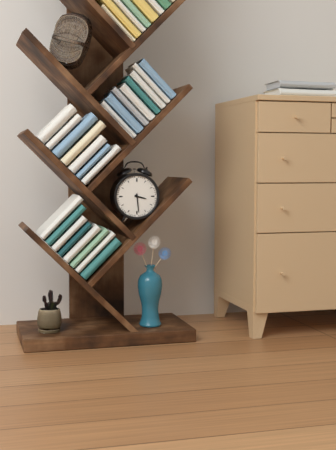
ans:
**3:29**
